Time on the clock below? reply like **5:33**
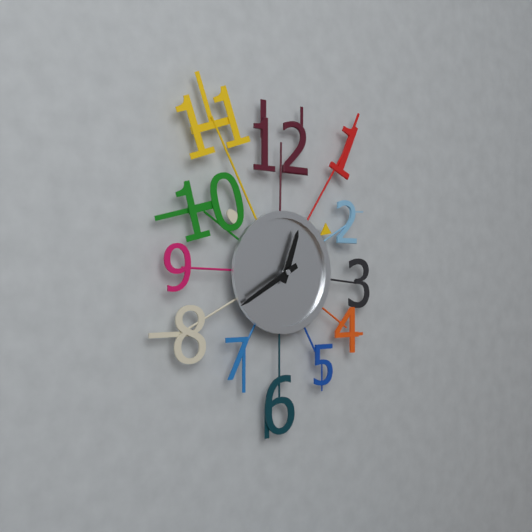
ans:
**12:40**
